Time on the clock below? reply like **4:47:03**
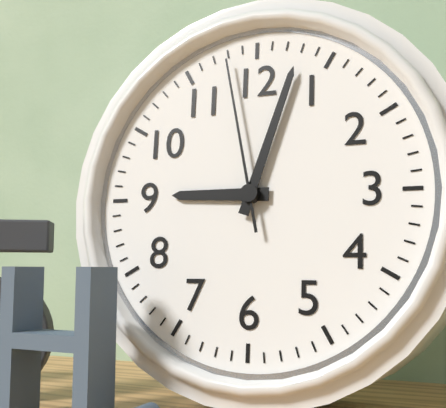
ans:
**9:03:58**
